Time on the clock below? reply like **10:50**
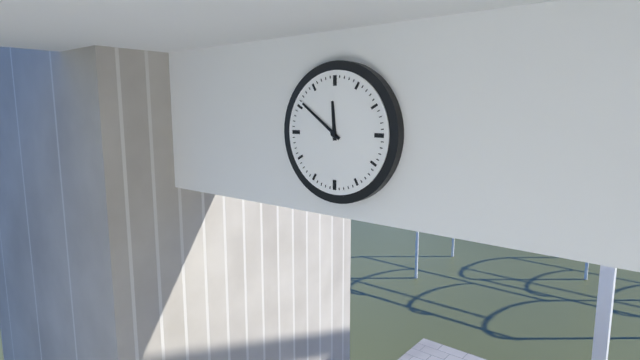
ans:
**11:51**
